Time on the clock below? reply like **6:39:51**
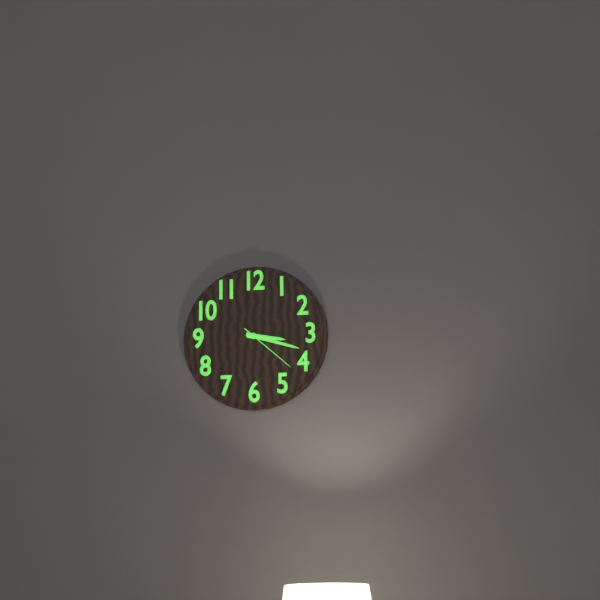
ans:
**3:18:22**
